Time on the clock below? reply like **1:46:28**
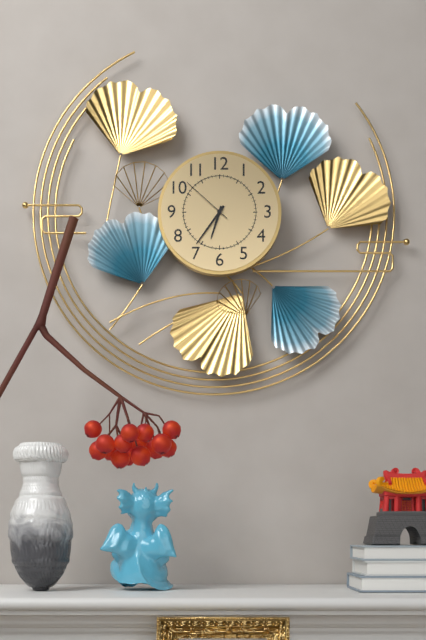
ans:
**6:36:52**
